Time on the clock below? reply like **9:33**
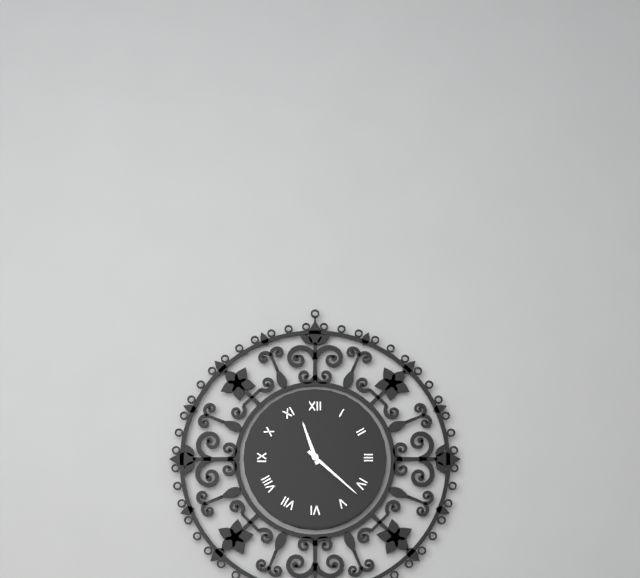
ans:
**11:22**
